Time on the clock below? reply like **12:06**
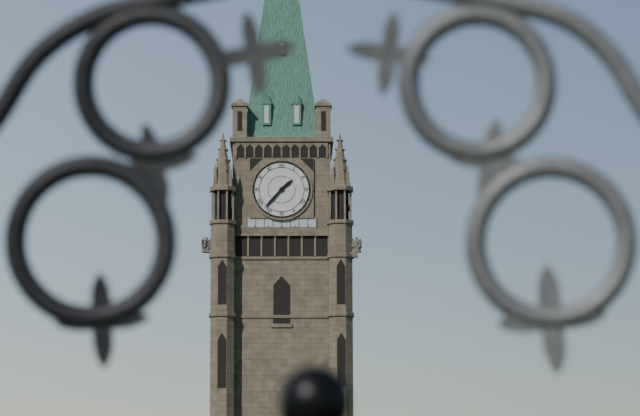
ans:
**1:37**
